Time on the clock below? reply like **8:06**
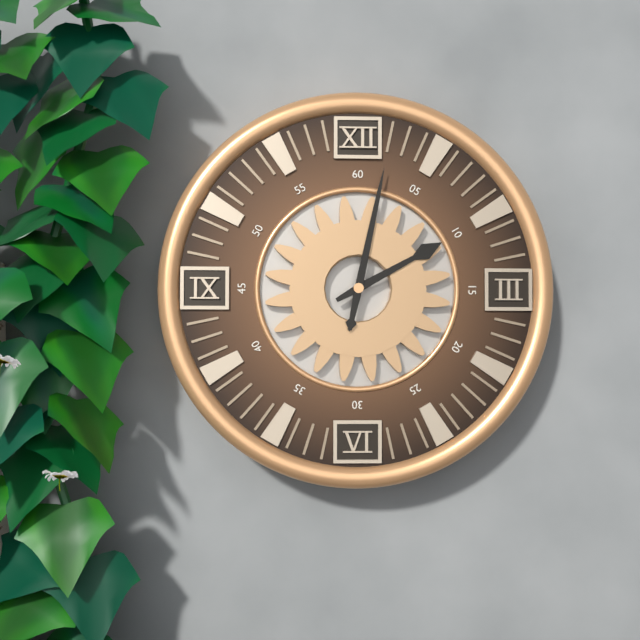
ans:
**2:02**
